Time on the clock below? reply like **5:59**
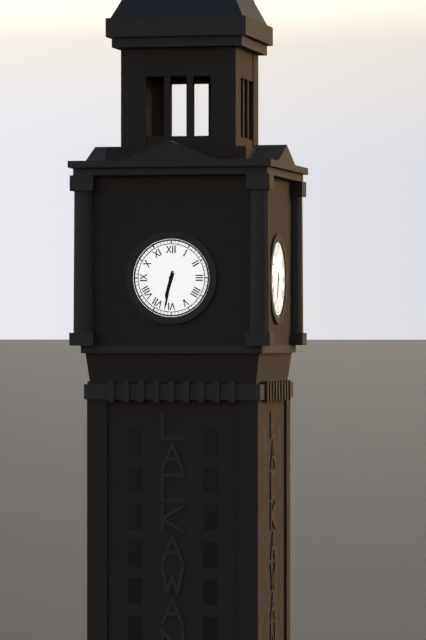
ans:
**6:32**
